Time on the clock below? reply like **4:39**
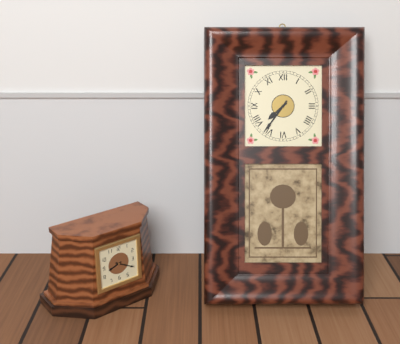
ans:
**7:36**
